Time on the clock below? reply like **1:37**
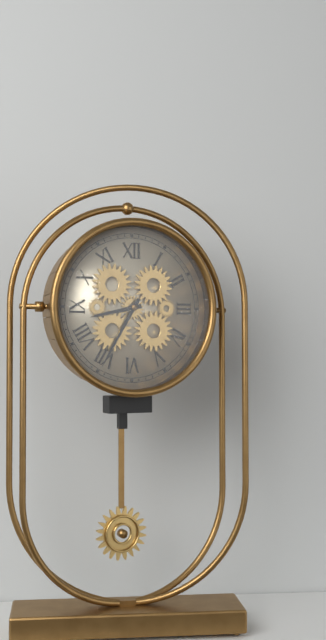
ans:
**8:35**
